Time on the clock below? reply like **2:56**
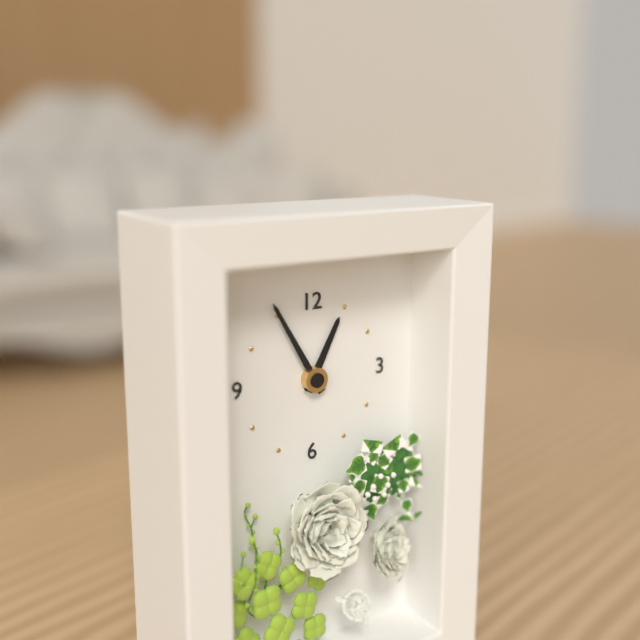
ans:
**12:55**
